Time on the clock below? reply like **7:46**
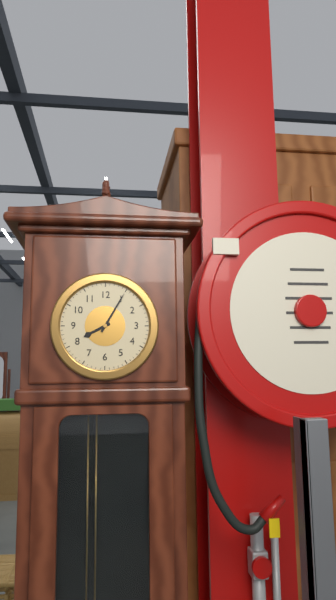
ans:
**8:05**
